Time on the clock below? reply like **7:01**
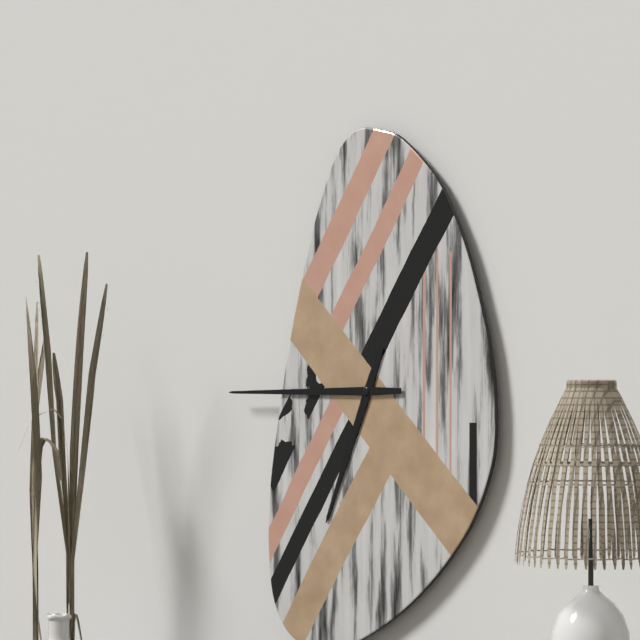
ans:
**6:45**
